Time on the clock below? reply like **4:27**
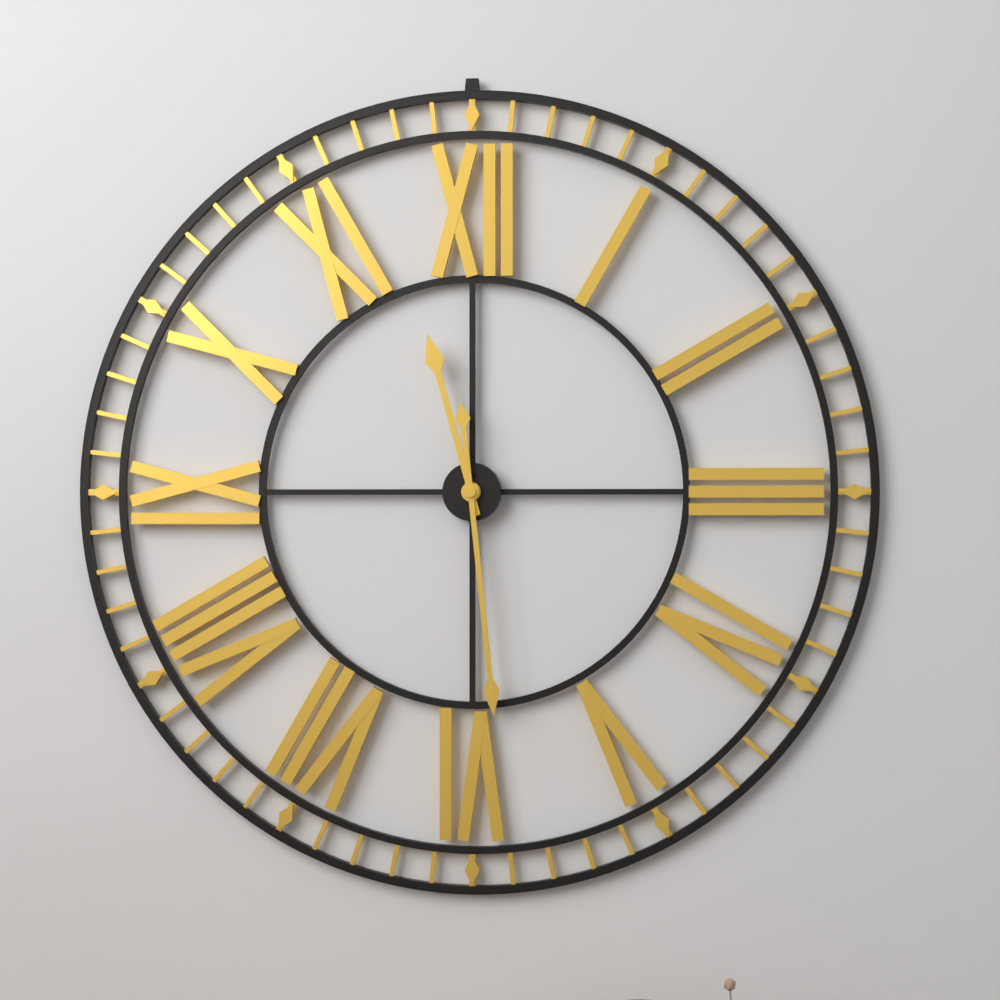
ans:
**11:29**
